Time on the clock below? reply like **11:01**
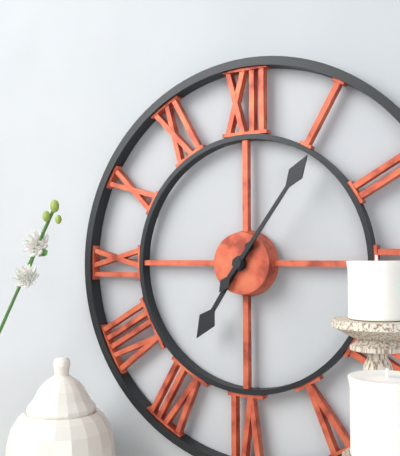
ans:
**7:06**
